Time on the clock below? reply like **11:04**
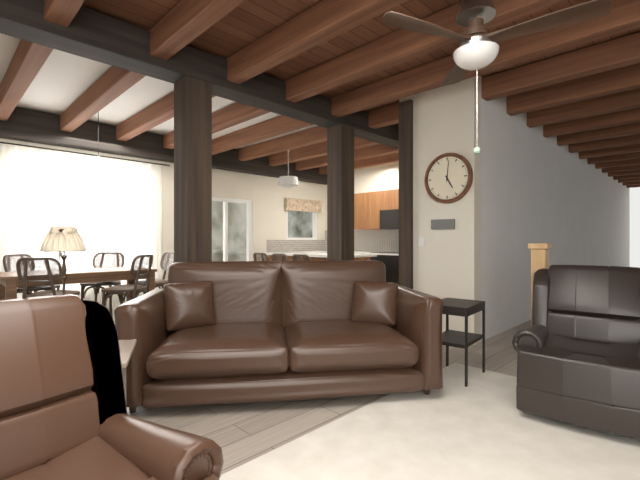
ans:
**5:01**
